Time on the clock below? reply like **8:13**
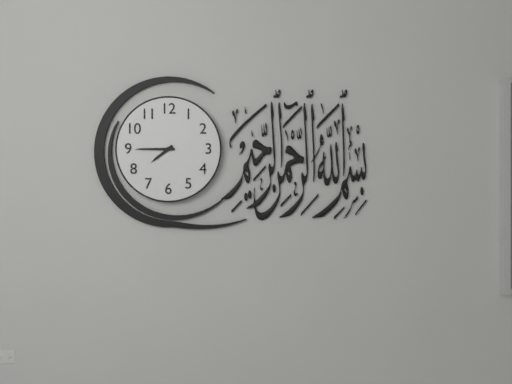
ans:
**7:45**
